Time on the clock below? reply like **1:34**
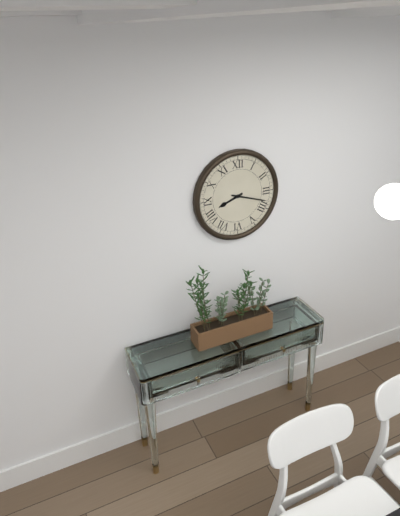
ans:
**8:18**
